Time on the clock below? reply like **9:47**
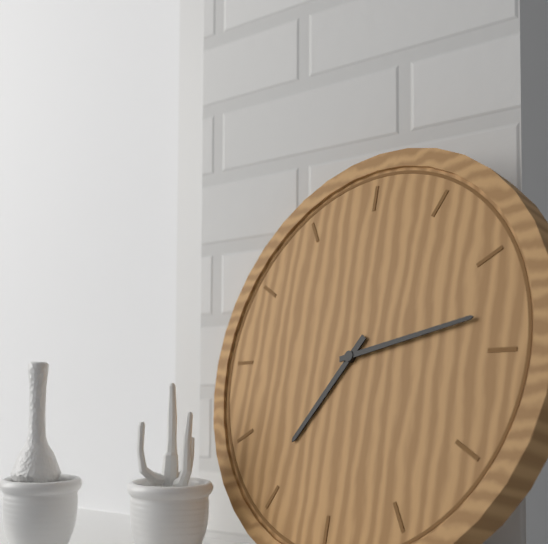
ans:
**7:13**
